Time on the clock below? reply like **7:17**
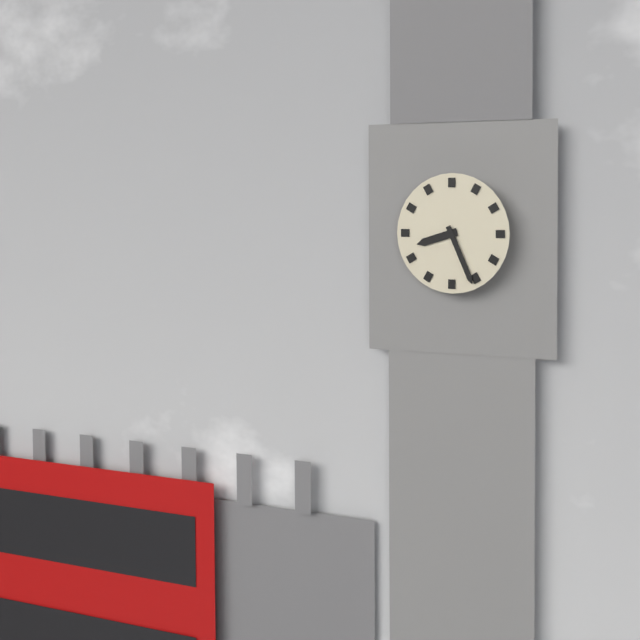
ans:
**8:26**
